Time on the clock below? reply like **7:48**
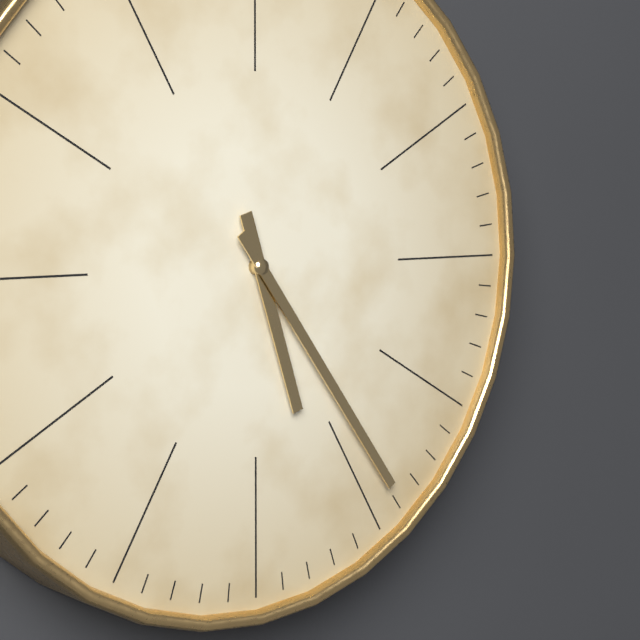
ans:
**5:24**
